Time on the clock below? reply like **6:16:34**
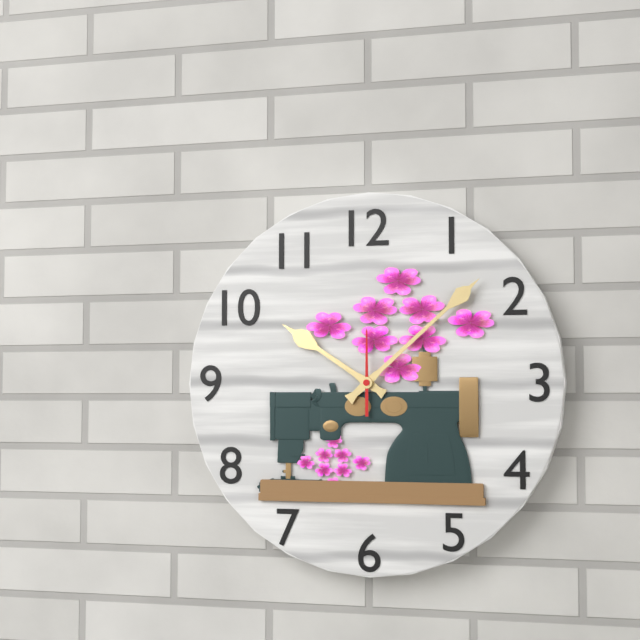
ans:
**10:08:00**
